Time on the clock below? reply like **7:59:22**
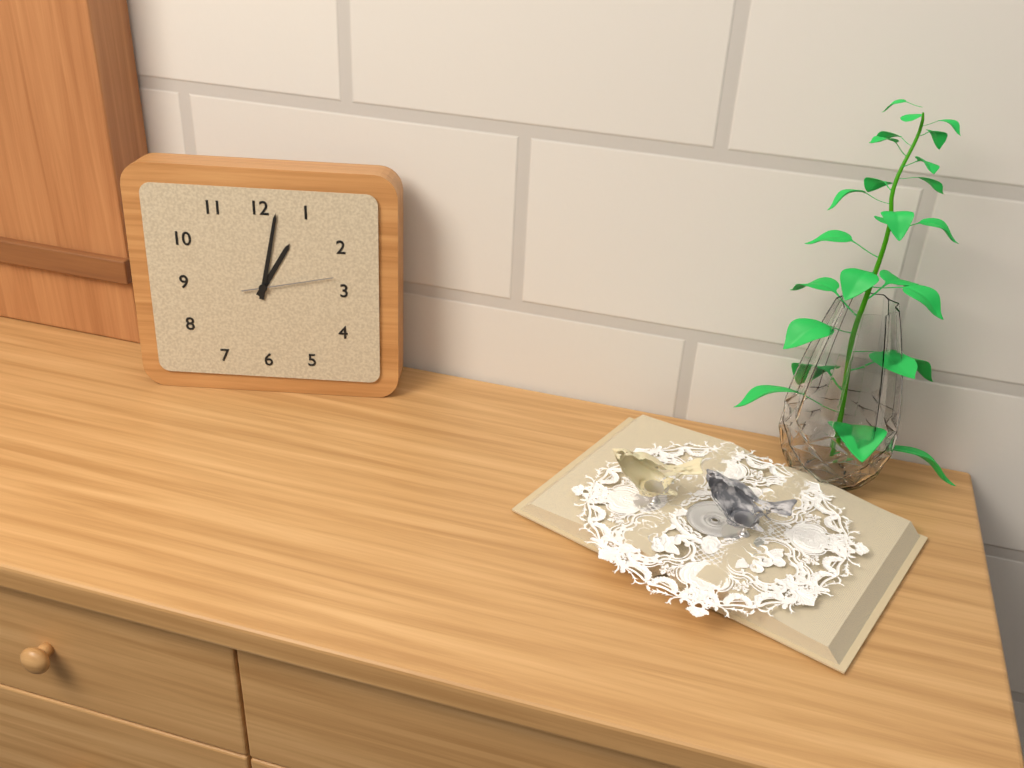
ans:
**1:02:13**
